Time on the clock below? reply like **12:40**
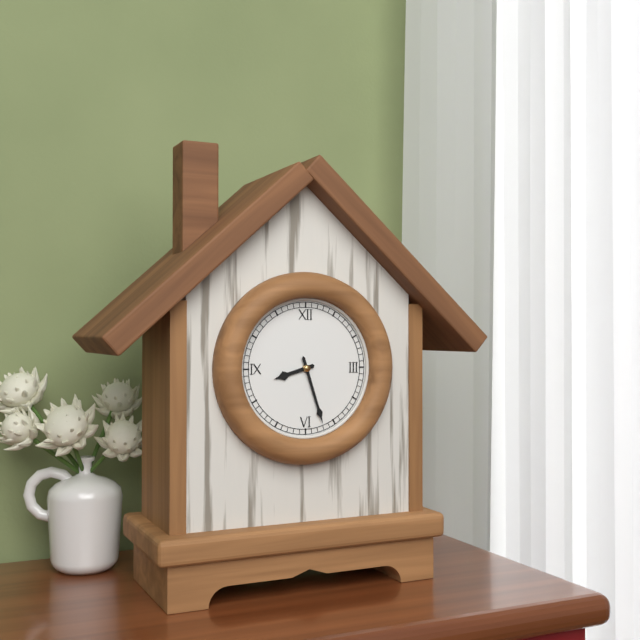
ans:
**8:27**
